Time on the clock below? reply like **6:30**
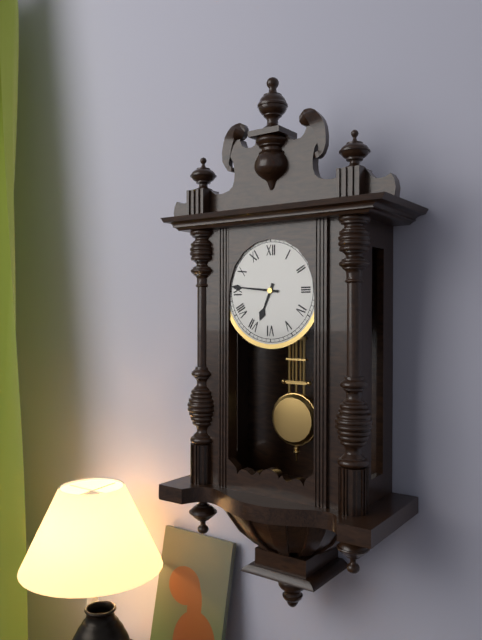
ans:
**6:46**
